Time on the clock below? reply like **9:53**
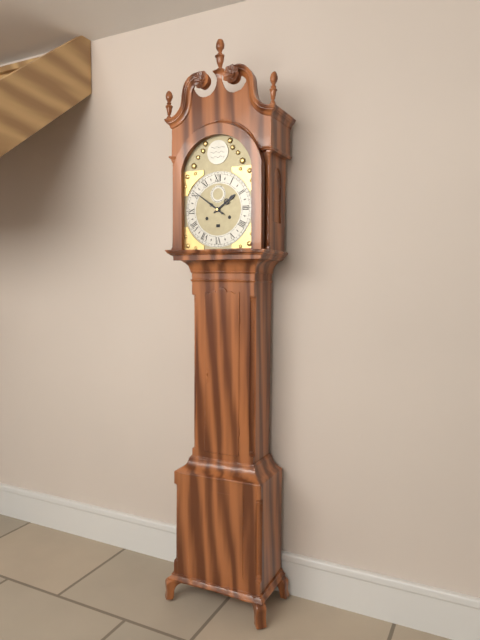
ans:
**1:51**
